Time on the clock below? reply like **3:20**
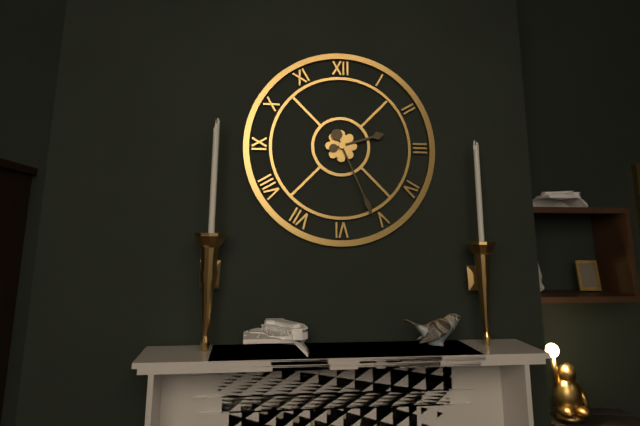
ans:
**2:26**
